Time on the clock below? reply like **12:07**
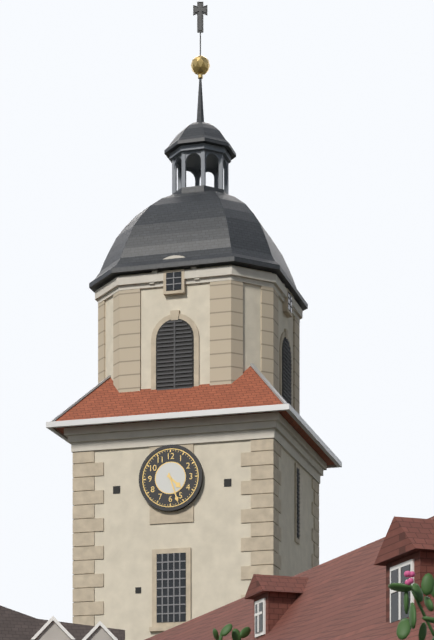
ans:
**4:27**
